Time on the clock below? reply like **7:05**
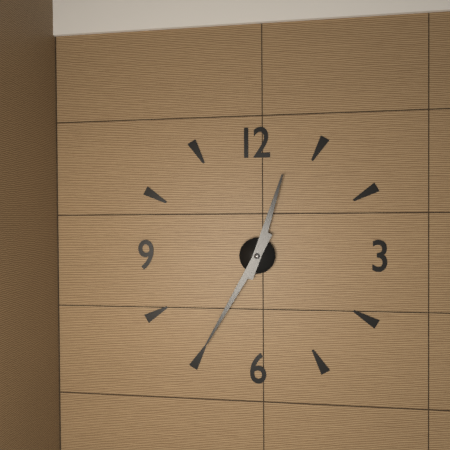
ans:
**12:35**
